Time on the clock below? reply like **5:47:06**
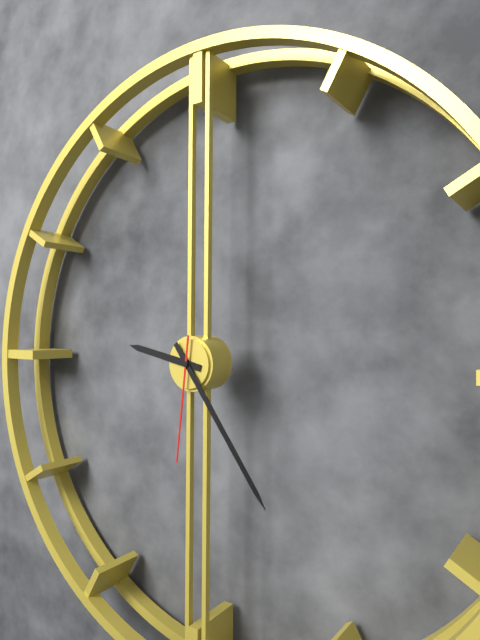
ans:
**9:24:31**
